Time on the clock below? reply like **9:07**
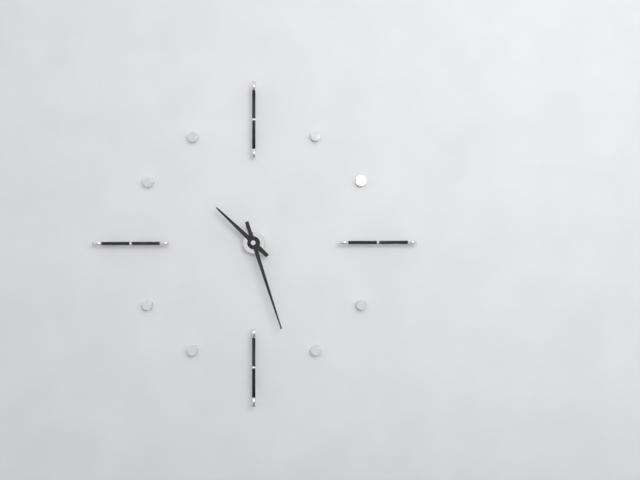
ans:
**10:27**
